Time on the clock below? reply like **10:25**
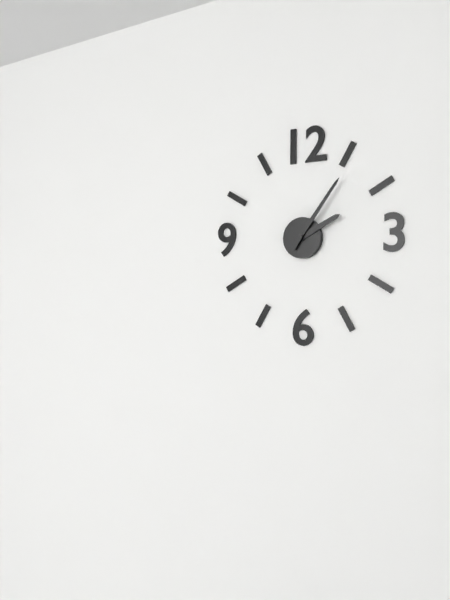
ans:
**2:06**
